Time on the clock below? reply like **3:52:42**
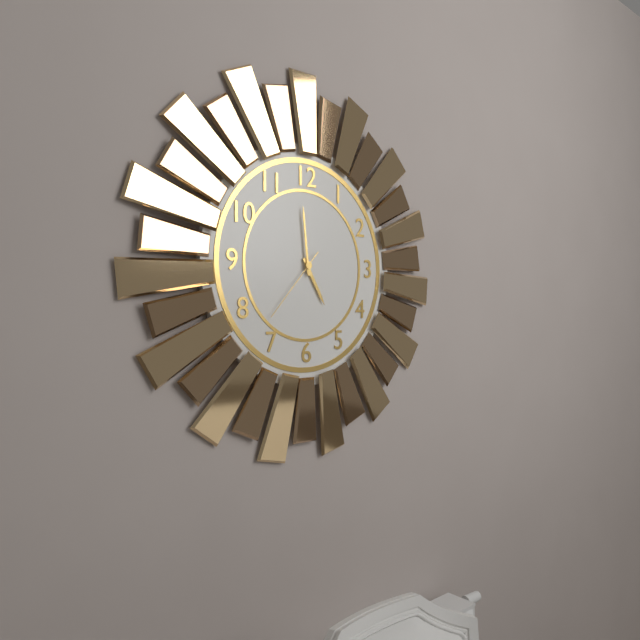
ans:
**4:59:37**
